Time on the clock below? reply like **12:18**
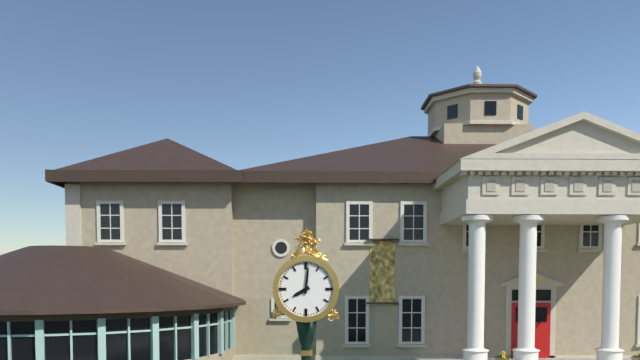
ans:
**8:01**
